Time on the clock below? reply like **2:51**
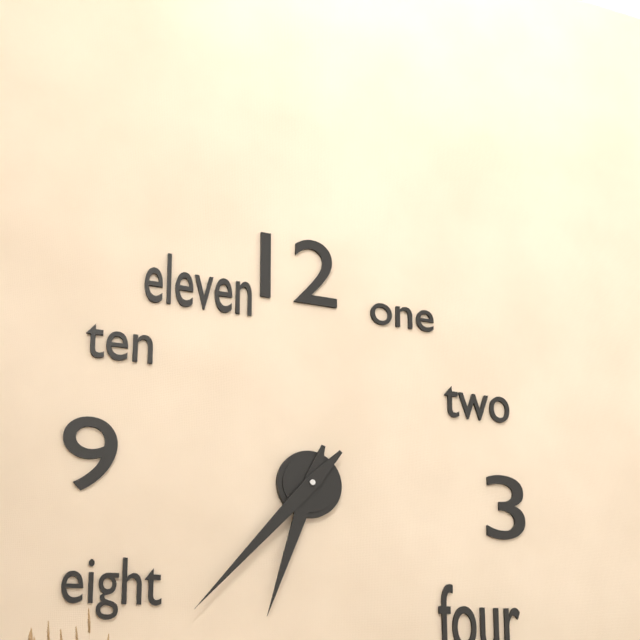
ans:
**6:37**
